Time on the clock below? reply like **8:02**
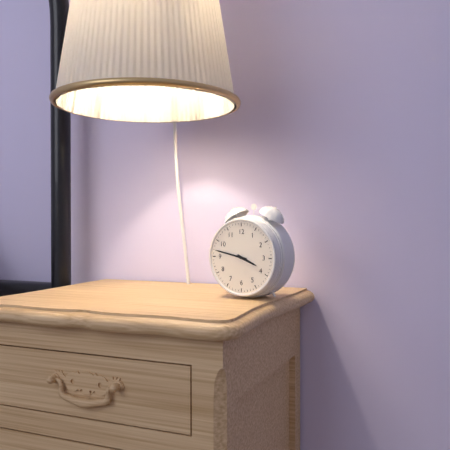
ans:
**3:47**
